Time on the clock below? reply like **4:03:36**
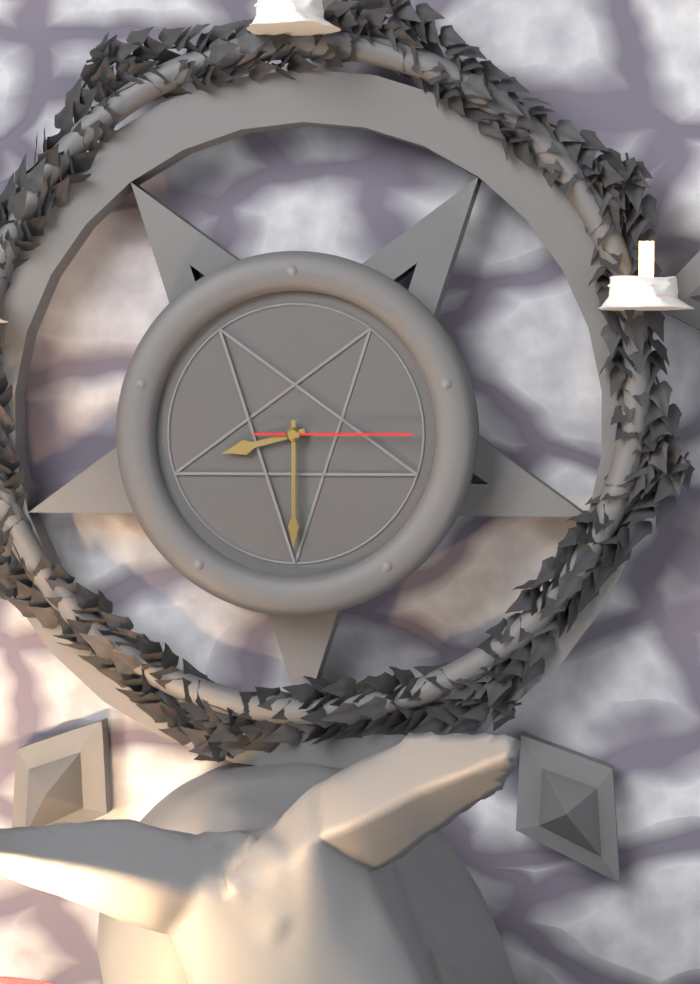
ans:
**8:30:15**
